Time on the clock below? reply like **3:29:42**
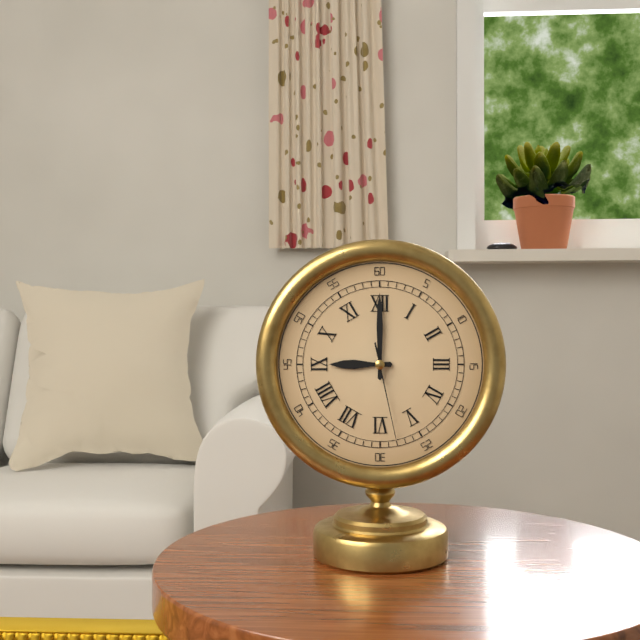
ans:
**9:00:28**
